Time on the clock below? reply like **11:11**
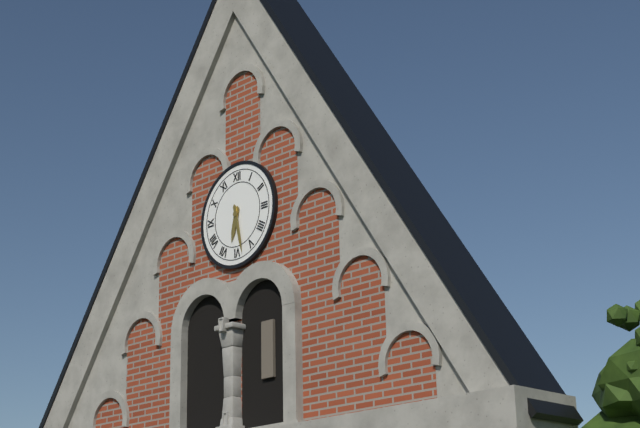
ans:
**6:28**
